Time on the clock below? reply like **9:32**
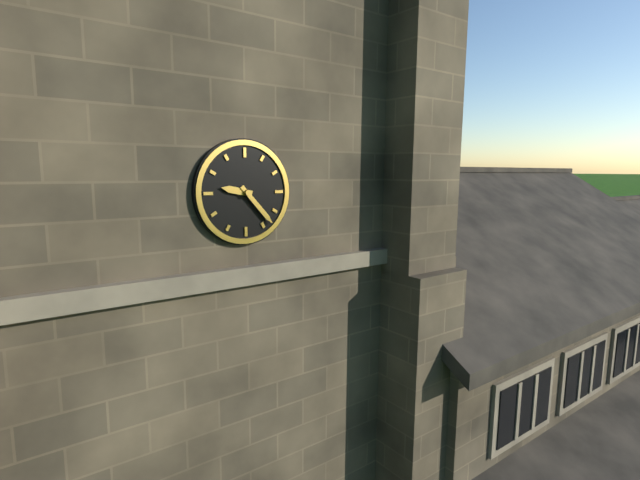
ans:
**9:23**
